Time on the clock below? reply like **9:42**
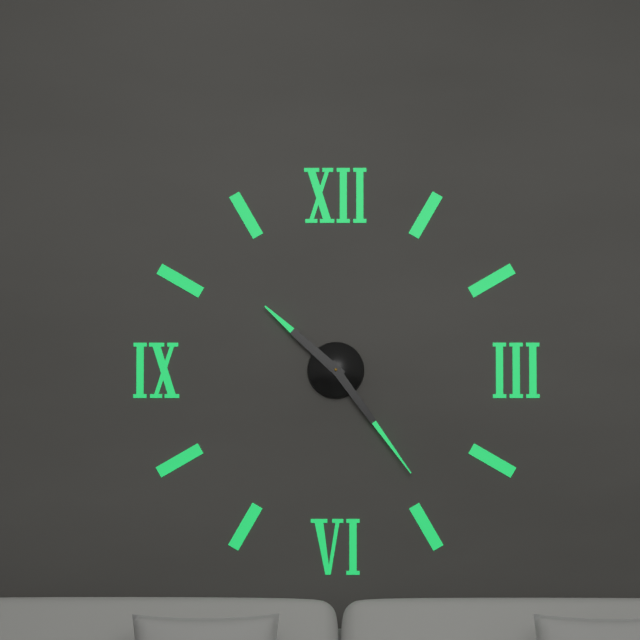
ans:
**10:24**
